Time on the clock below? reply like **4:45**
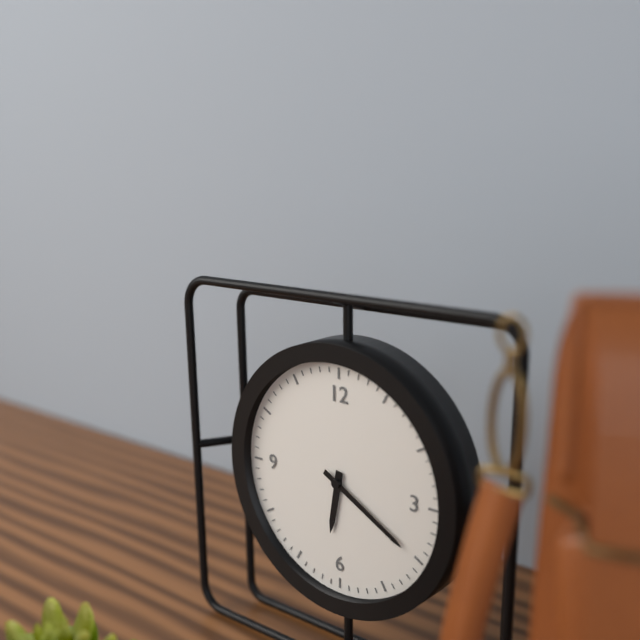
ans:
**6:20**
